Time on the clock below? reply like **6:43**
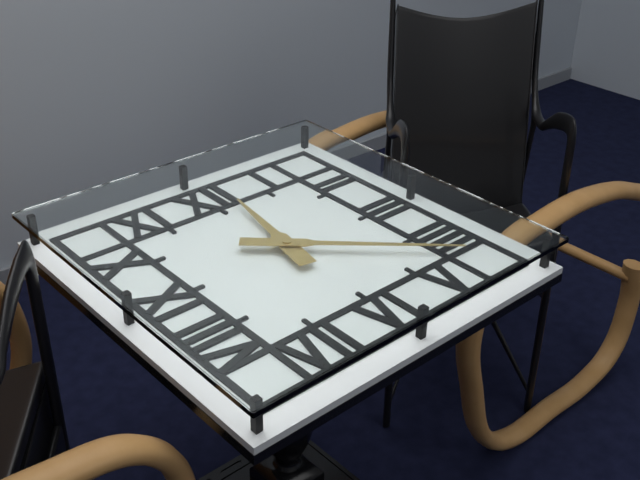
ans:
**12:22**
